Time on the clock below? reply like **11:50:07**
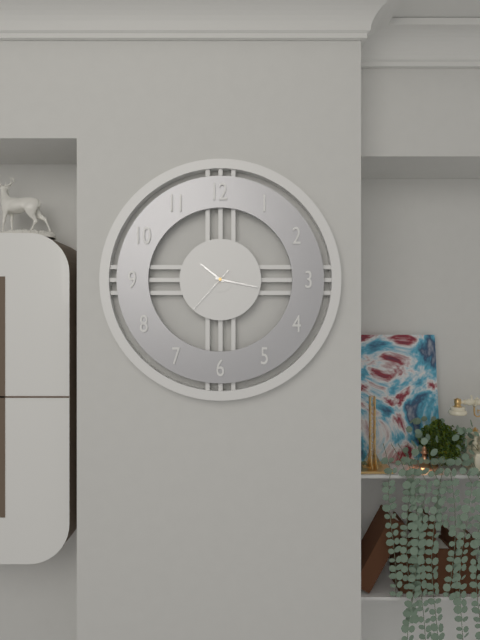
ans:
**10:17:37**
